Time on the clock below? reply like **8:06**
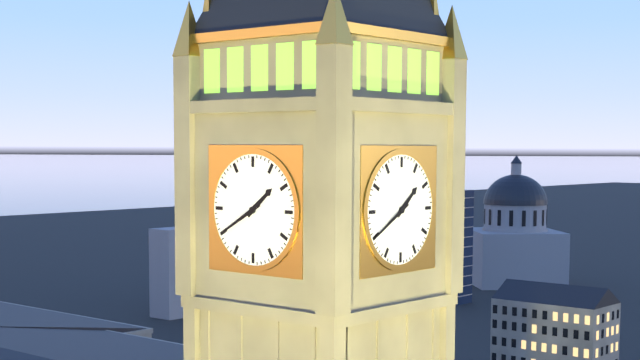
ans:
**1:40**
